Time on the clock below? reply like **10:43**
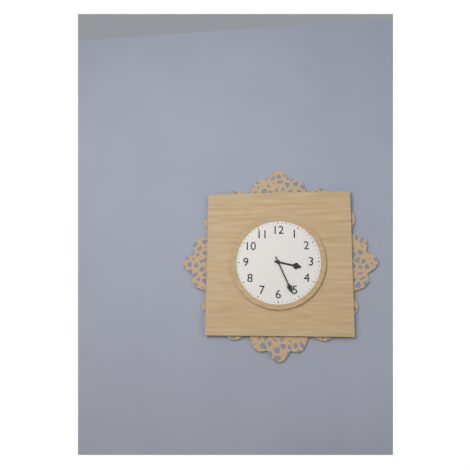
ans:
**3:26**
